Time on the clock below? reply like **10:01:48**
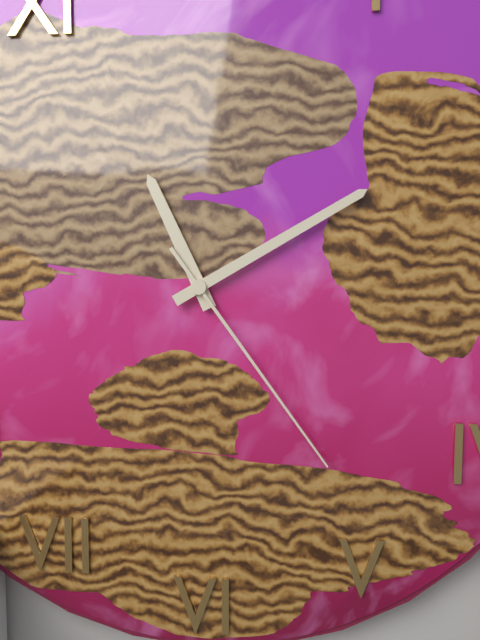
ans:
**11:10:24**
